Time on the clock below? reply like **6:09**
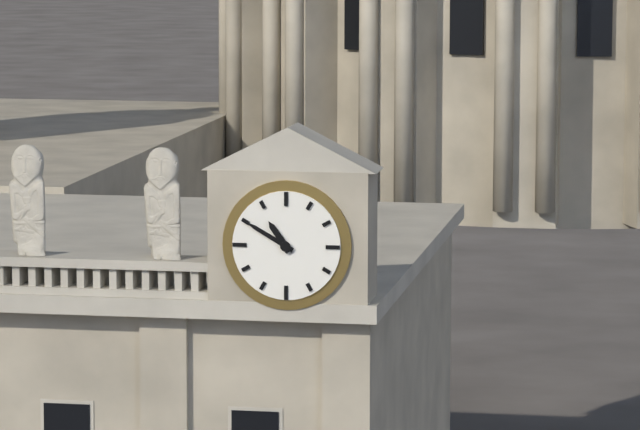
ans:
**10:50**
